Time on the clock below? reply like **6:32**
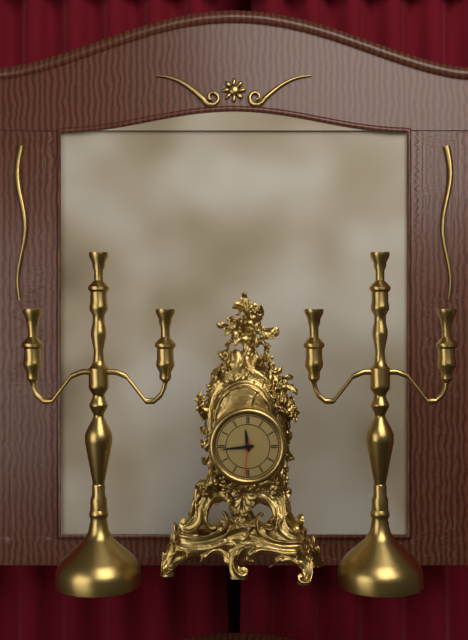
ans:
**11:44**
